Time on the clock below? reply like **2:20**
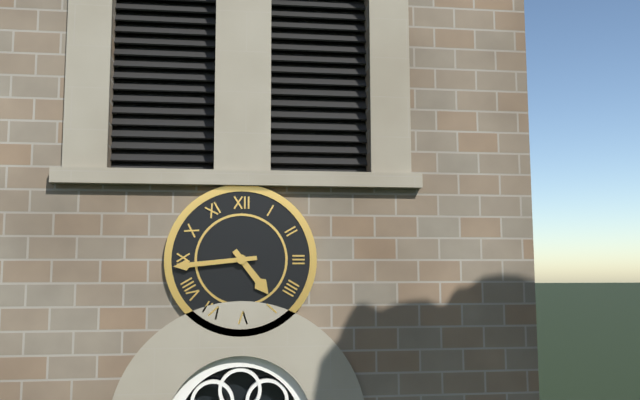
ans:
**4:44**
